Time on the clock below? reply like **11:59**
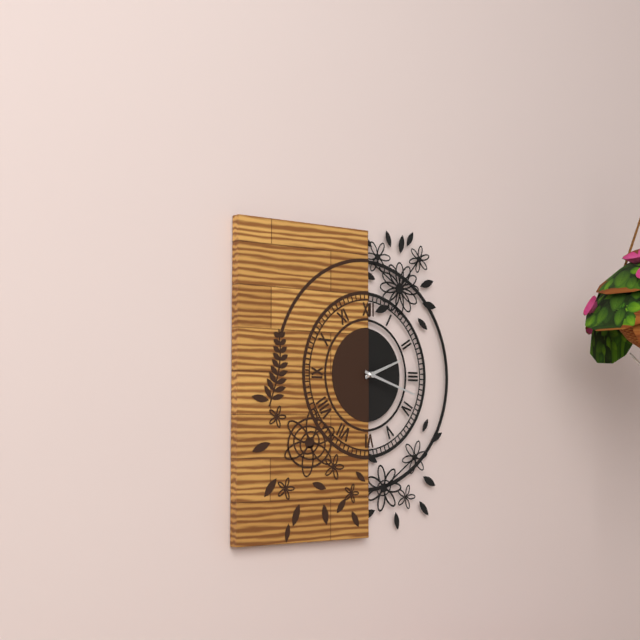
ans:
**2:18**
